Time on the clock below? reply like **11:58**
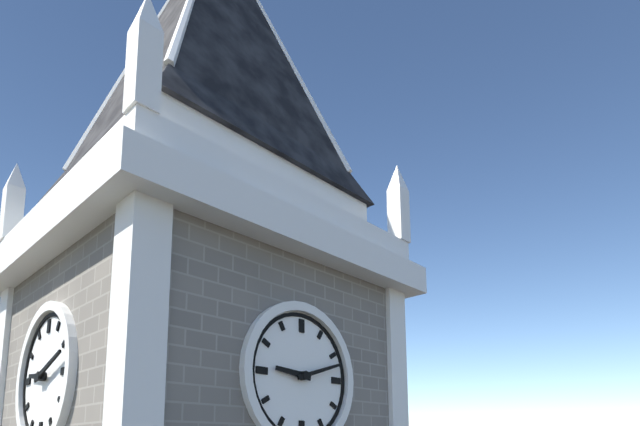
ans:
**9:12**
